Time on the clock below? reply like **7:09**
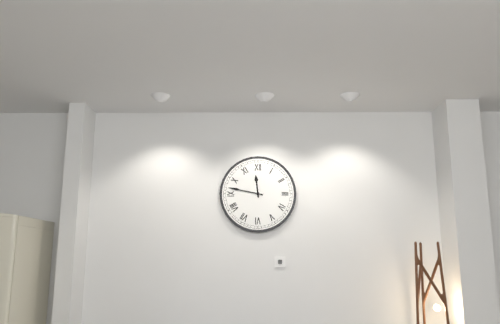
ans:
**11:47**
